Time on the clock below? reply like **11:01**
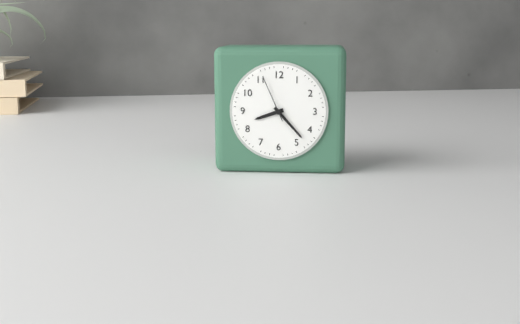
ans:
**8:23**
